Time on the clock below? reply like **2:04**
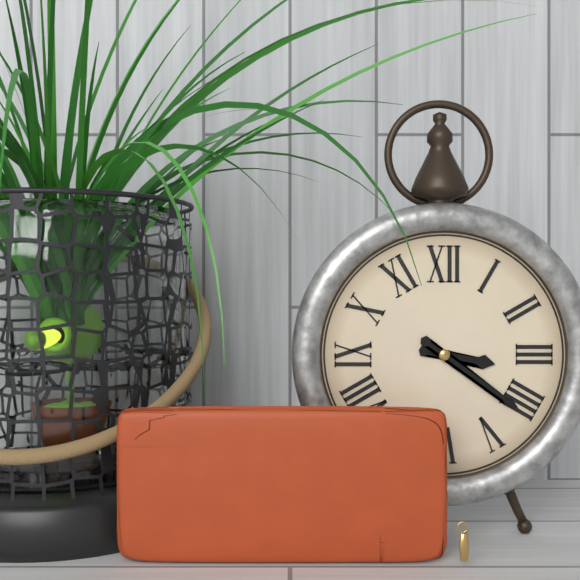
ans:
**3:21**
